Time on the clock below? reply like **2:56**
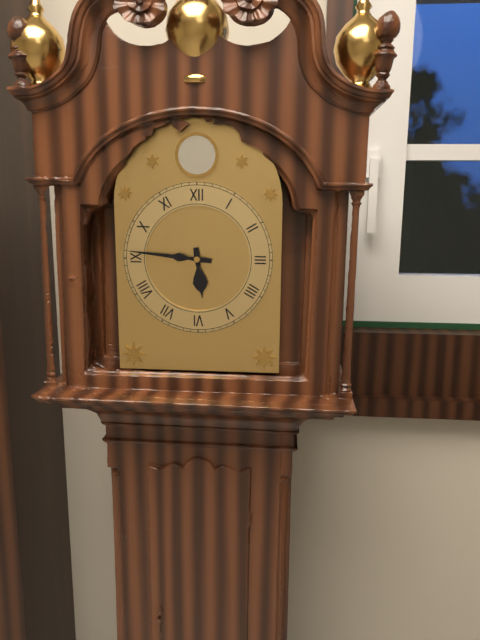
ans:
**5:46**
